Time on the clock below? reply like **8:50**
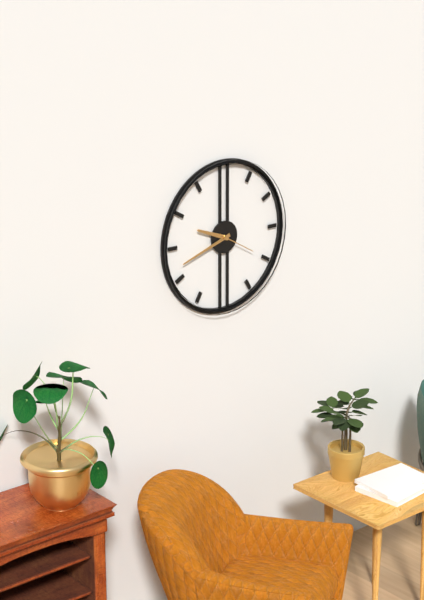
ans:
**9:42**
